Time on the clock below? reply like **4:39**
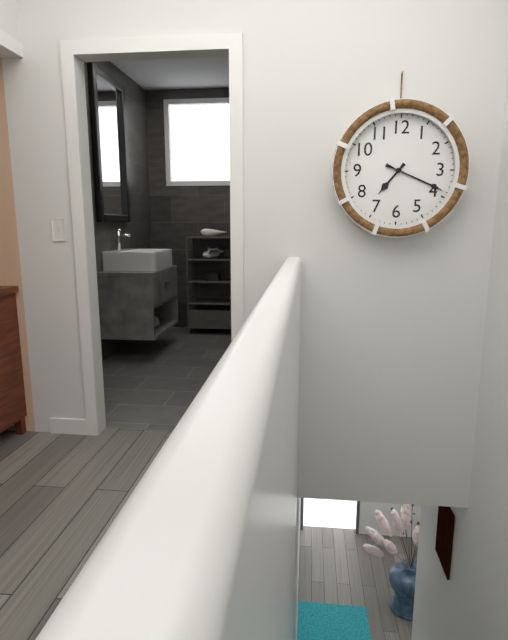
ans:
**7:19**
